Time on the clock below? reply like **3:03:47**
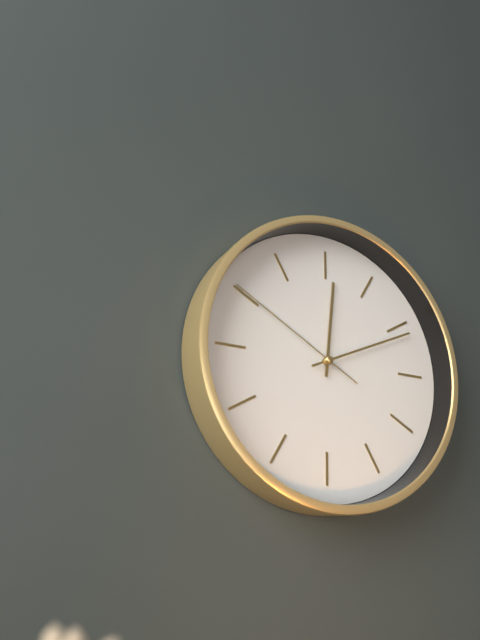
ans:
**12:11:50**
